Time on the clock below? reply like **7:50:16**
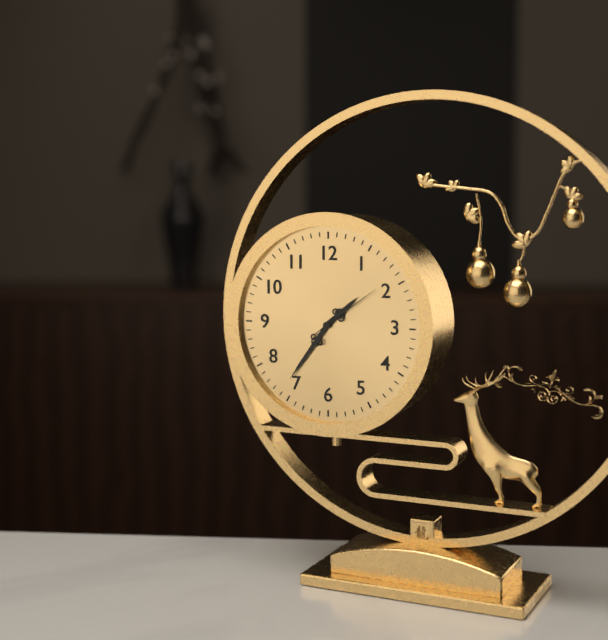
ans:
**1:36:09**
